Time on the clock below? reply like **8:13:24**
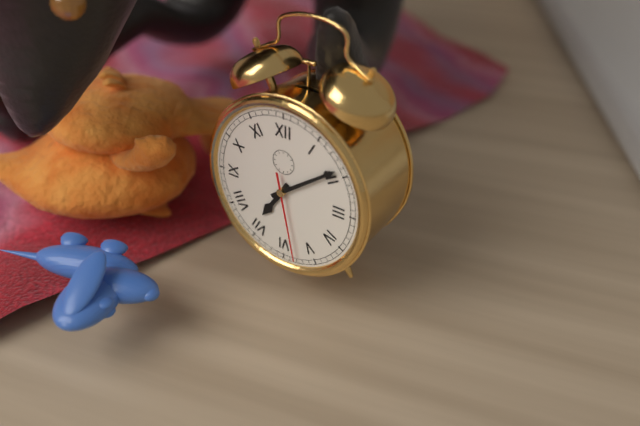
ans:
**7:09:28**
